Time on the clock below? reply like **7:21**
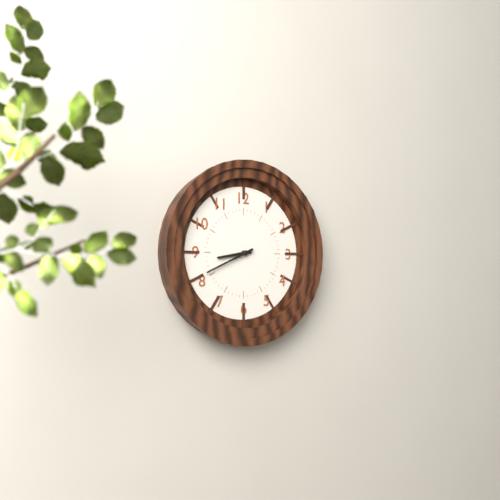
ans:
**8:41**
